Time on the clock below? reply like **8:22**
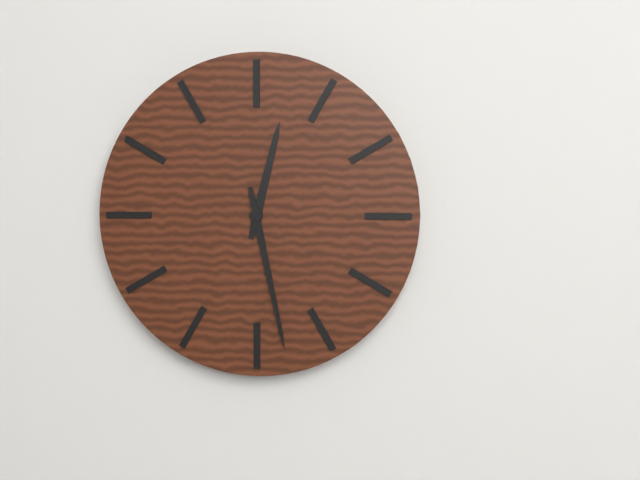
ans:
**12:28**
